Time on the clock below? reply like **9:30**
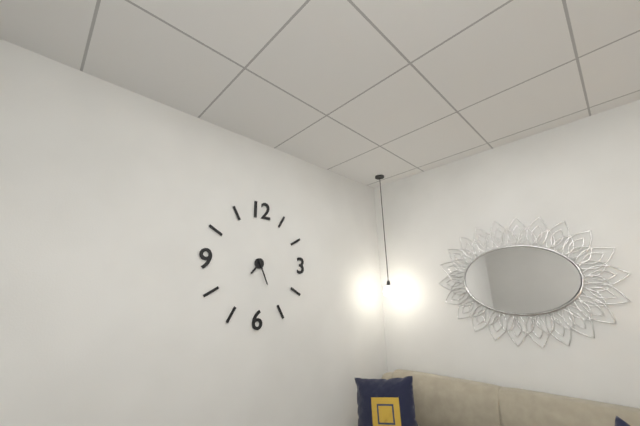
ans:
**7:26**
